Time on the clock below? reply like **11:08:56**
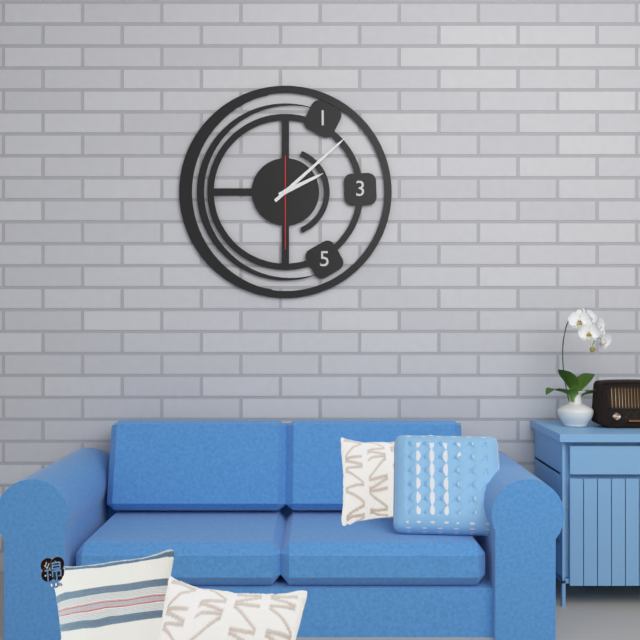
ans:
**2:08:30**
